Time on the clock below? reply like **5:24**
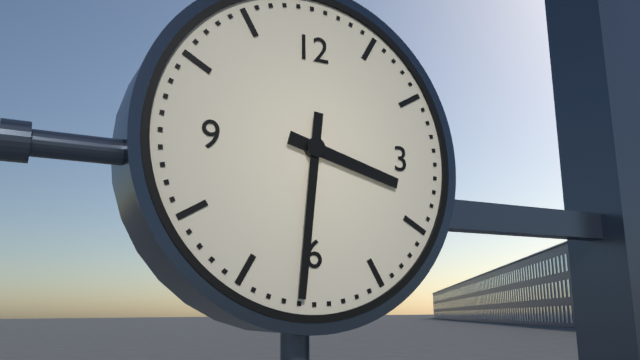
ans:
**3:31**
